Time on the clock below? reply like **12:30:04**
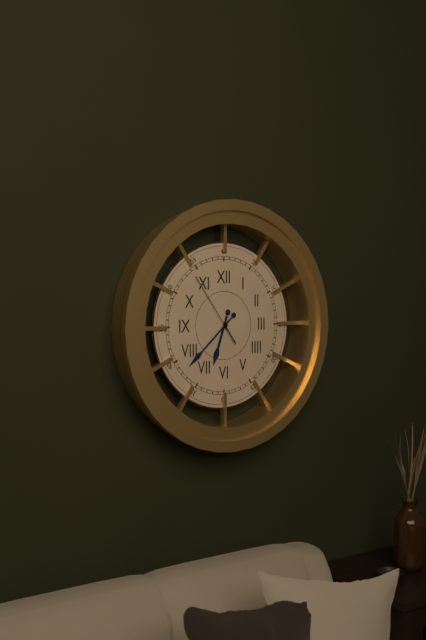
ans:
**6:38:54**
